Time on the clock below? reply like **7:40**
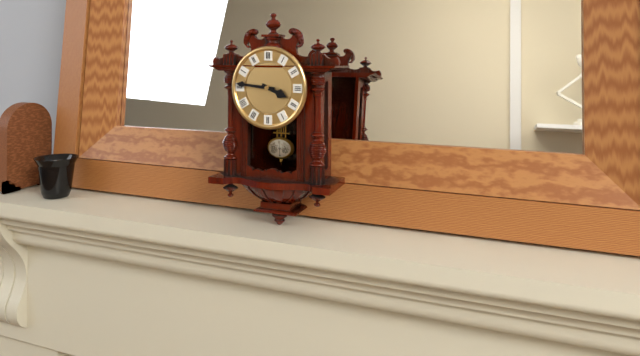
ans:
**3:46**
